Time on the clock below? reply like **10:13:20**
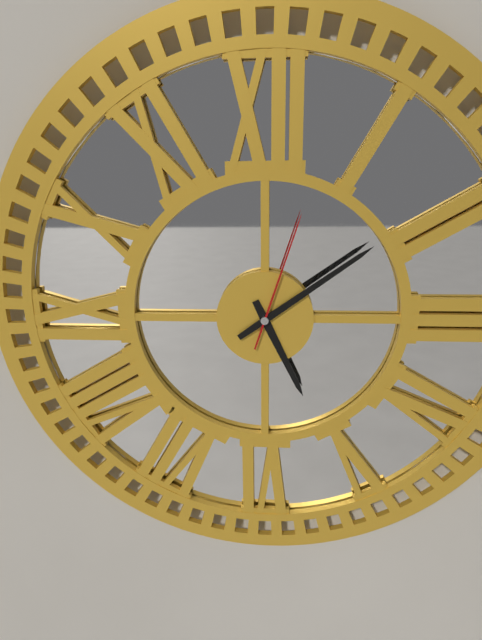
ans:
**5:09:03**
